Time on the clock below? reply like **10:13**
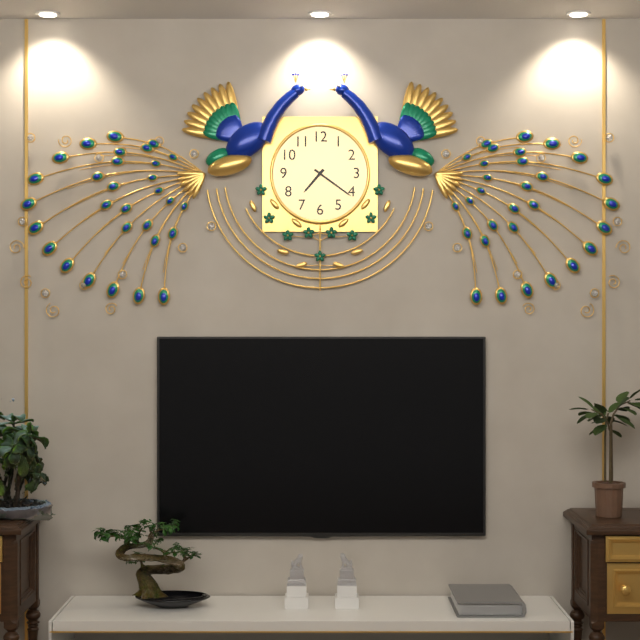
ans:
**7:21**
